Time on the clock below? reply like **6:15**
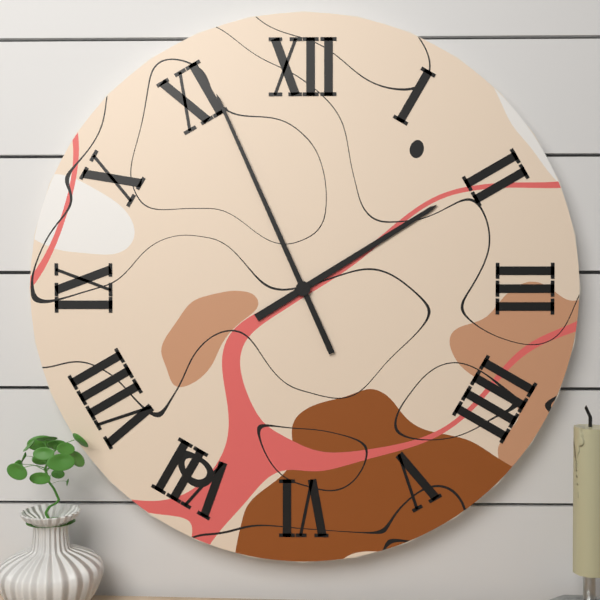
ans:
**1:56**
